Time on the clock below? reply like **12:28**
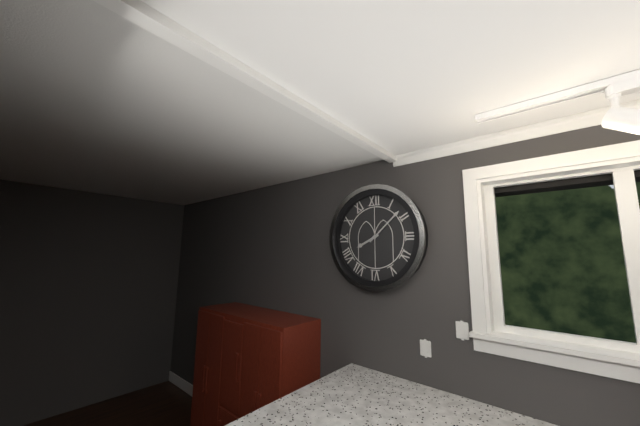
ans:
**8:08**
